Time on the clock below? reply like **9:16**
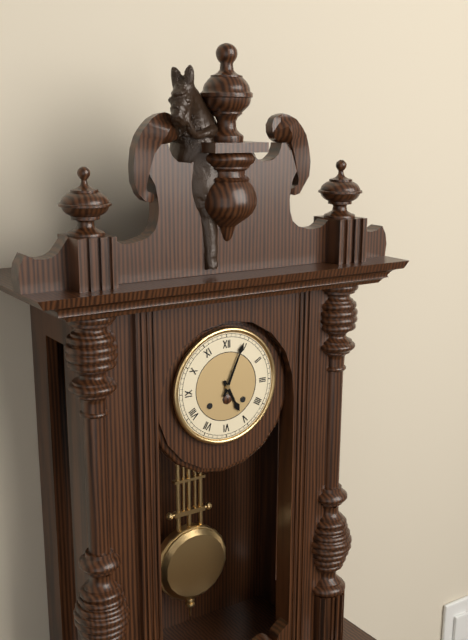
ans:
**5:04**
